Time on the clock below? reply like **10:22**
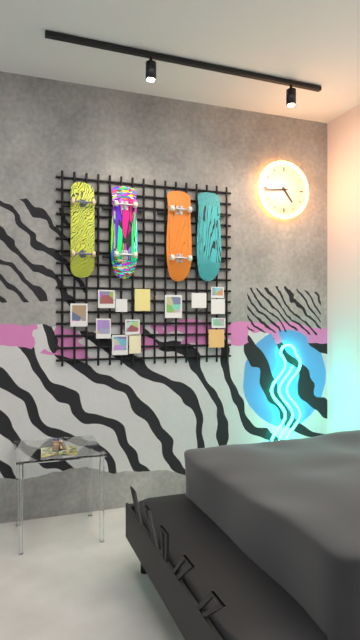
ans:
**4:44**
